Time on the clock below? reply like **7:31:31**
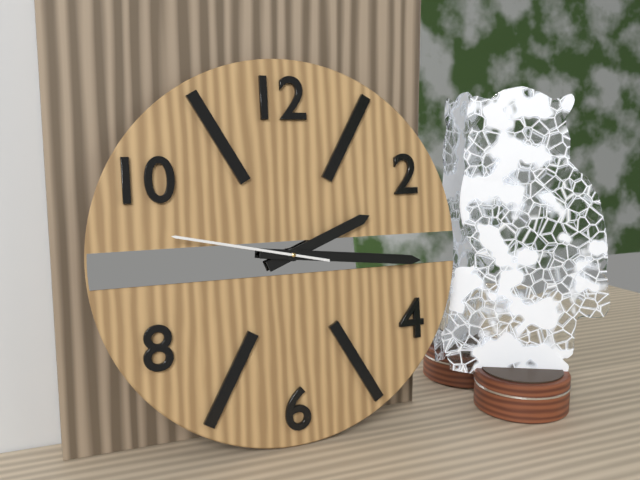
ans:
**2:16:47**
